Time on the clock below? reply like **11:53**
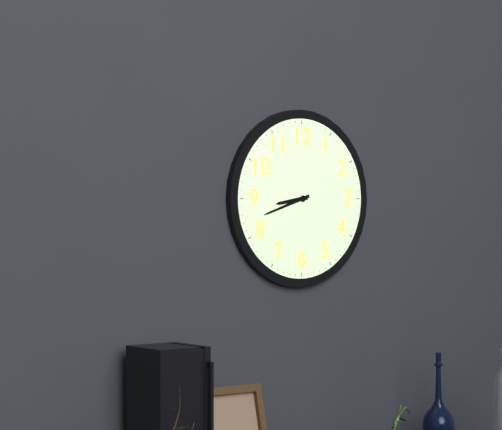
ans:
**8:42**
